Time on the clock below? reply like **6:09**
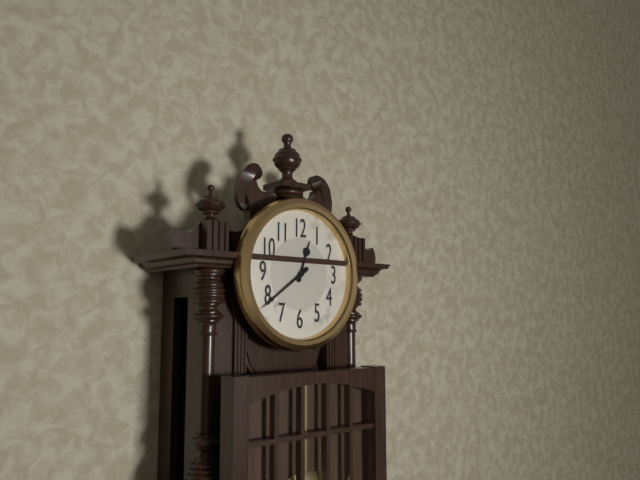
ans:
**12:39**
